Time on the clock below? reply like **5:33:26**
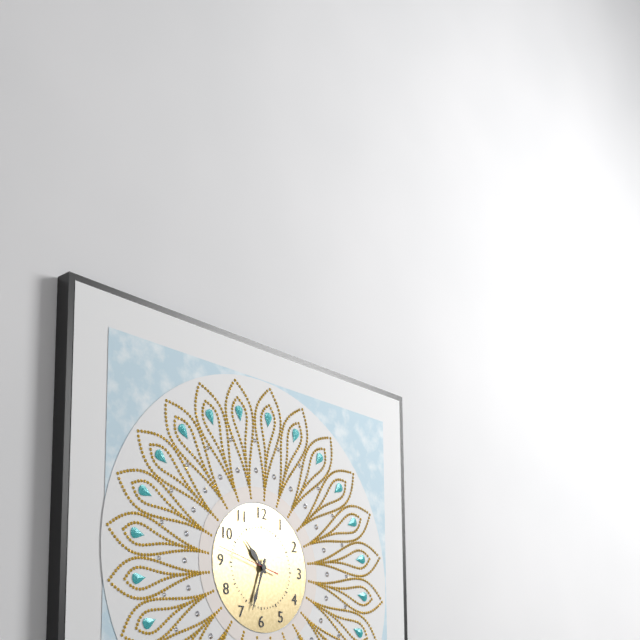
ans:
**10:33:47**
